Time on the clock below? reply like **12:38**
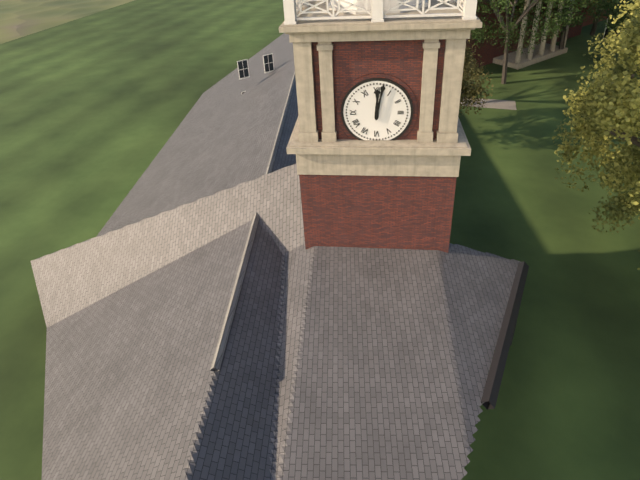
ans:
**12:02**
